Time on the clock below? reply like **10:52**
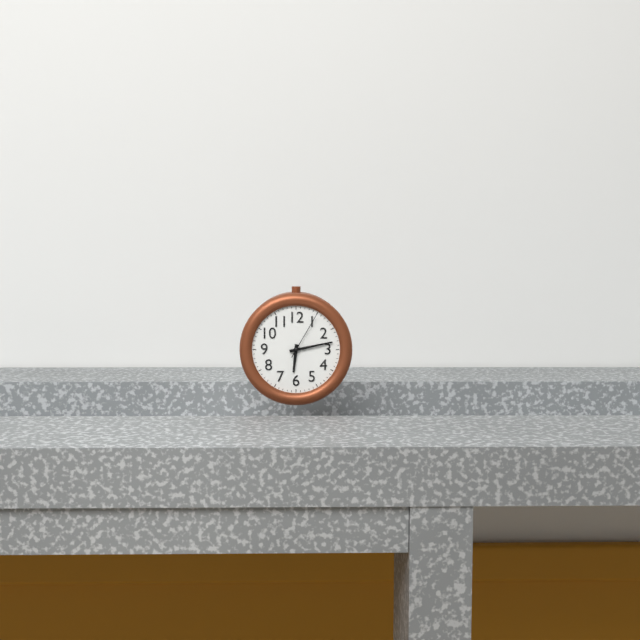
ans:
**6:13**
